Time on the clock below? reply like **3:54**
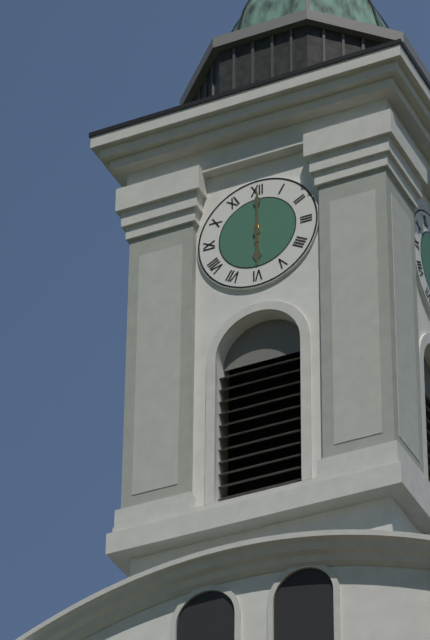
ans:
**6:00**
